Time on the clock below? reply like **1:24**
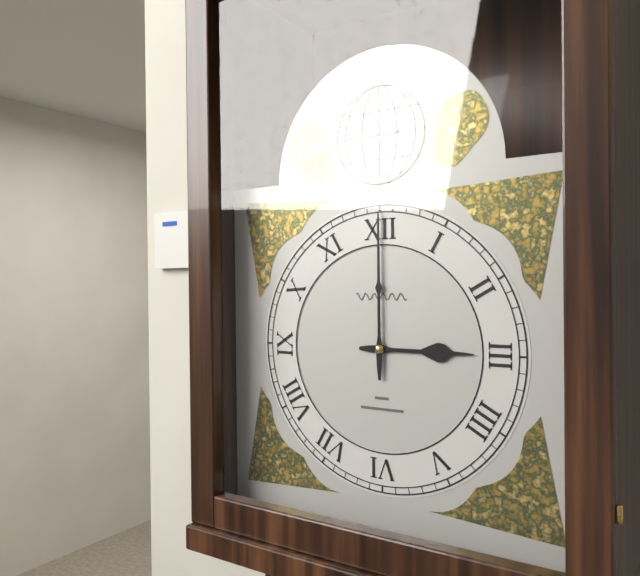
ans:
**3:00**
